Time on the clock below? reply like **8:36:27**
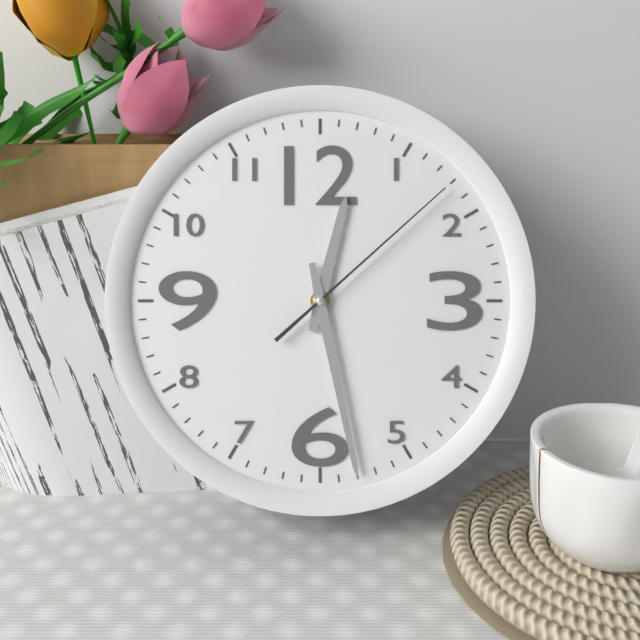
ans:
**12:28:08**
